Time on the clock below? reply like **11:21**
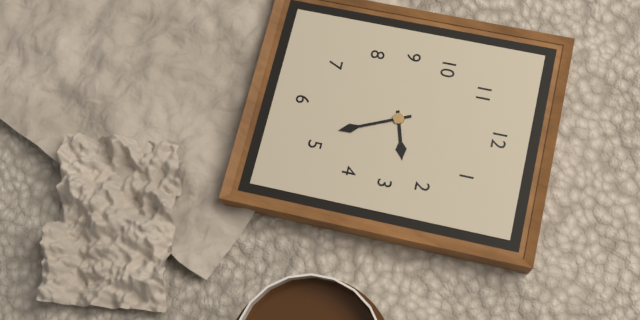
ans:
**2:26**
